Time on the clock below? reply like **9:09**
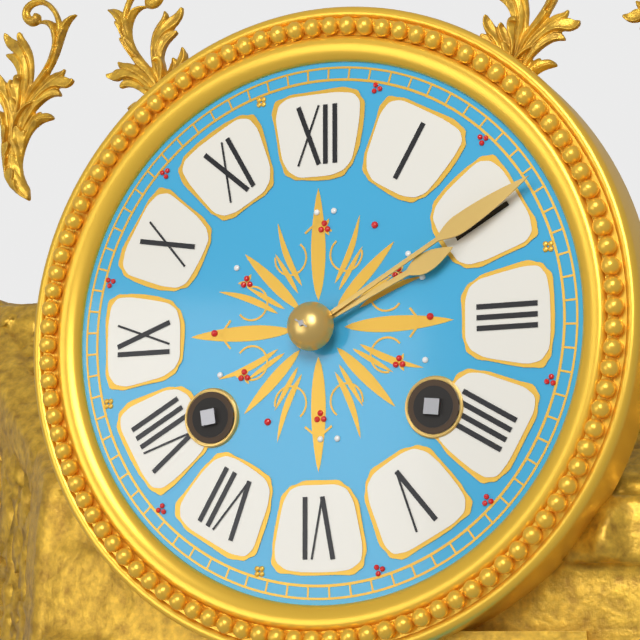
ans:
**2:10**
